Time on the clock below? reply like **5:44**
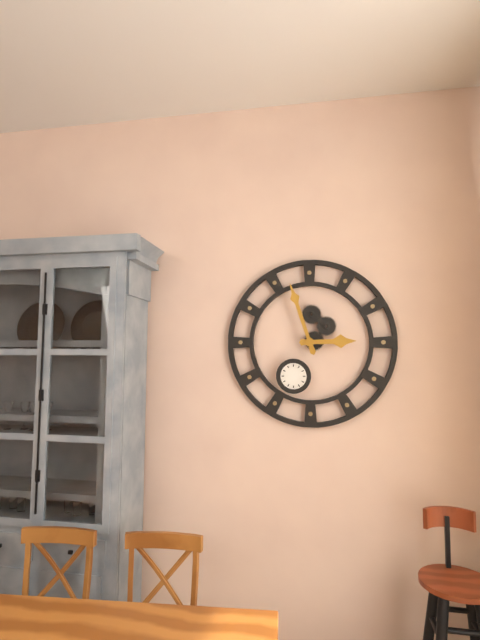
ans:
**2:57**
